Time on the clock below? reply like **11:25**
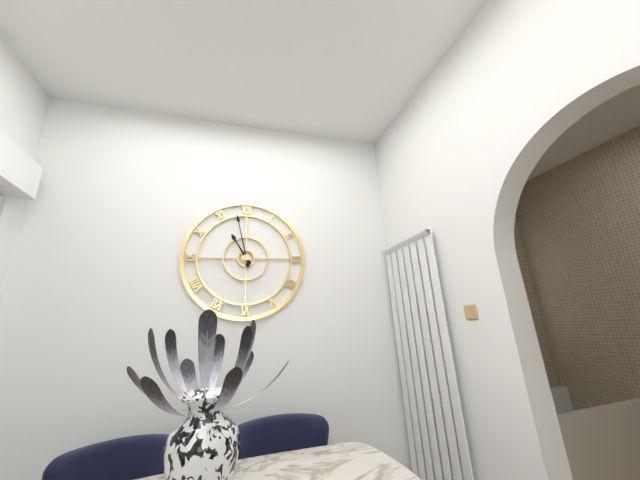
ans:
**10:58**
